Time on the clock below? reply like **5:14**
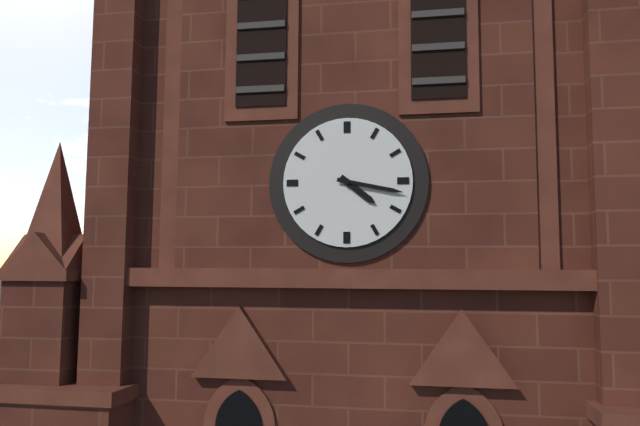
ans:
**4:17**
